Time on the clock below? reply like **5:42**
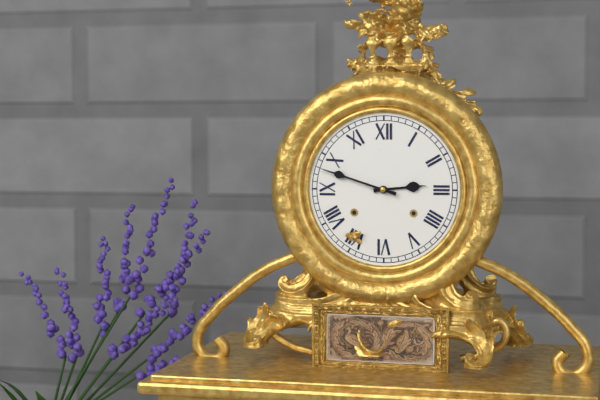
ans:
**2:48**
